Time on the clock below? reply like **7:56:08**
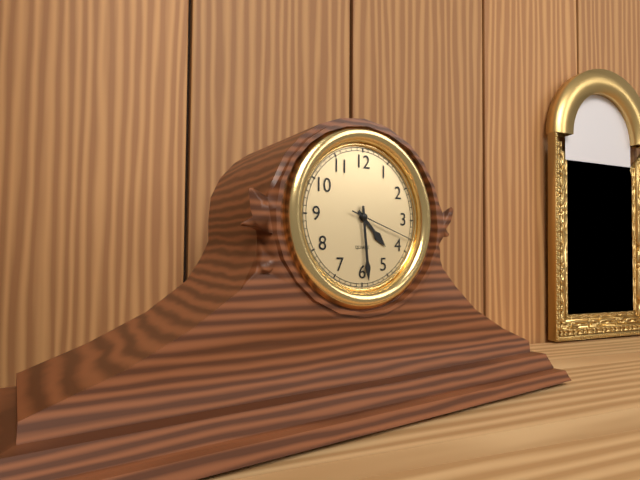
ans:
**4:29:18**
